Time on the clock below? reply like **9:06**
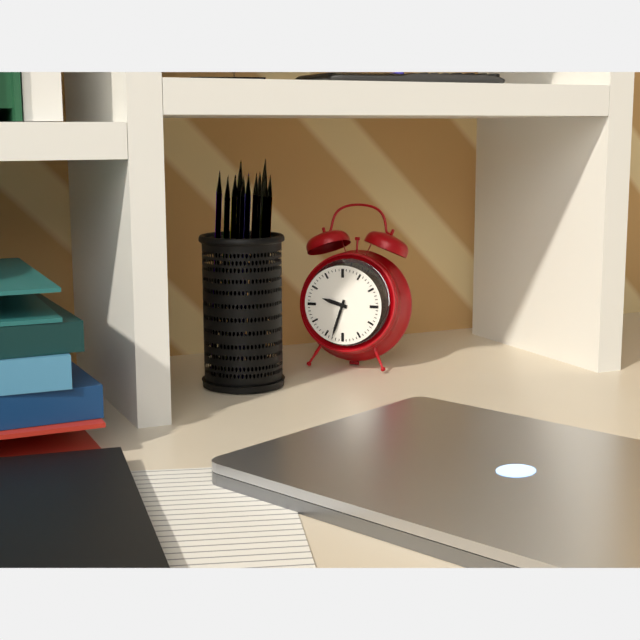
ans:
**9:33**
